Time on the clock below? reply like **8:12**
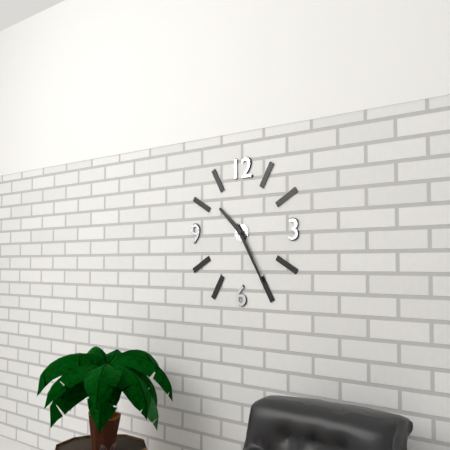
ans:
**10:25**
